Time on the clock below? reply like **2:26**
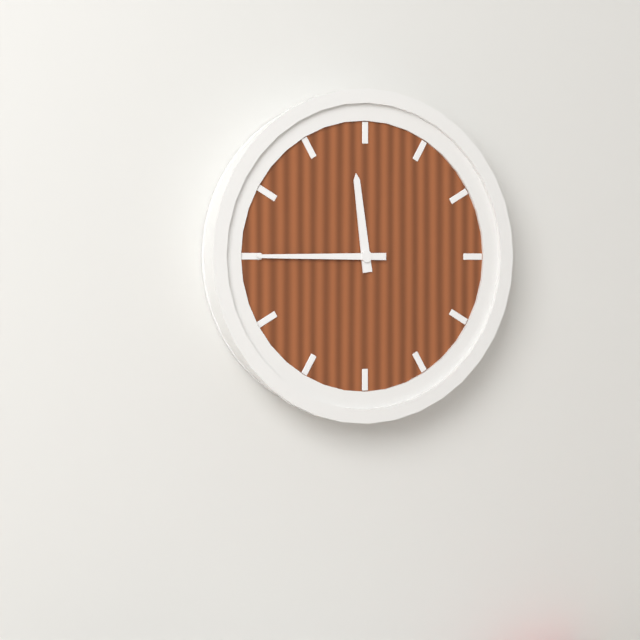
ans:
**11:45**
